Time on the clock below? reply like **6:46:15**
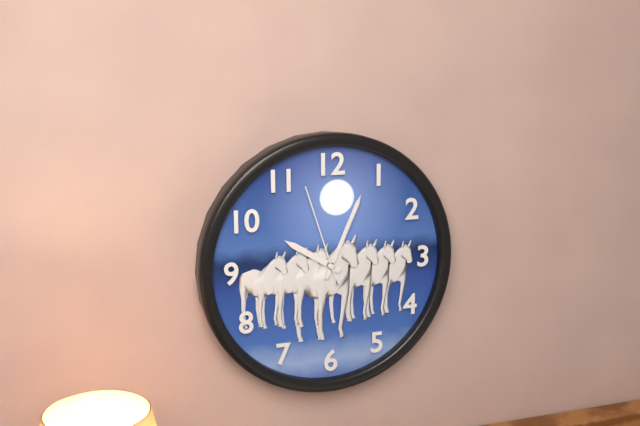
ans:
**10:04:57**
